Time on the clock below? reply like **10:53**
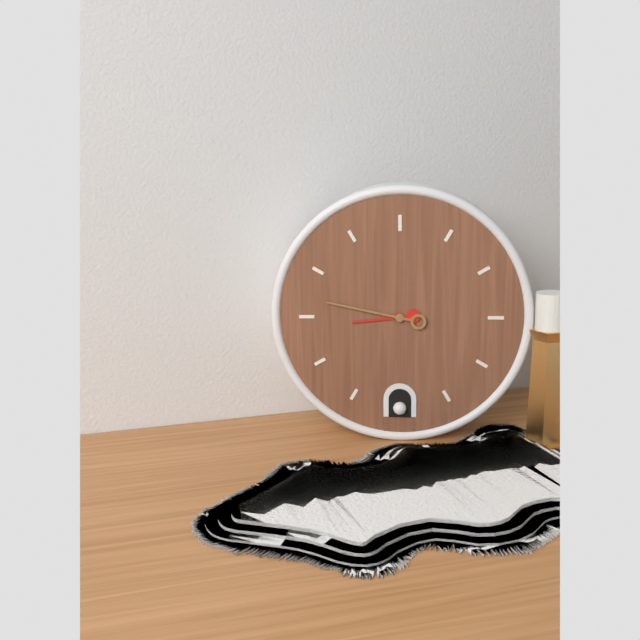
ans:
**8:47**
